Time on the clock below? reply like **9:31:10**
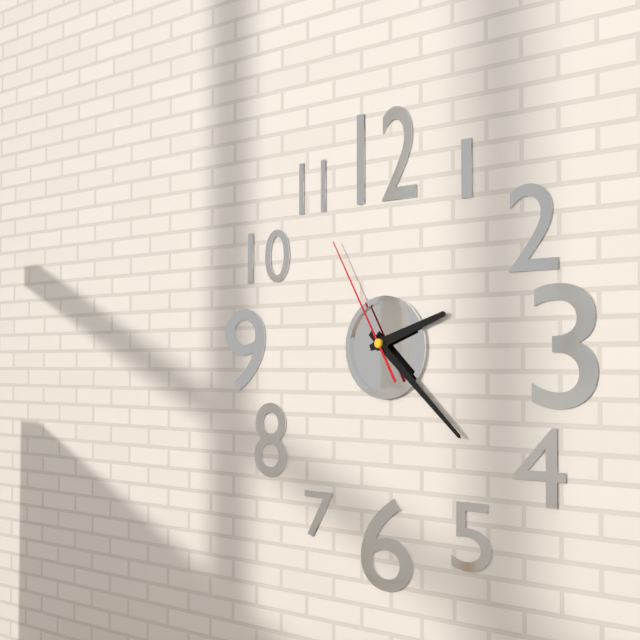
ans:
**2:22:55**
